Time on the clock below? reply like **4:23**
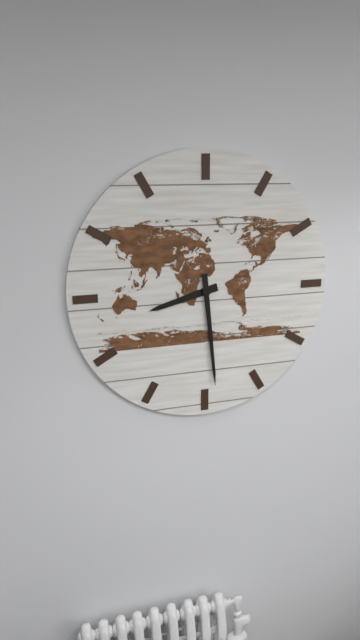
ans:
**8:29**
